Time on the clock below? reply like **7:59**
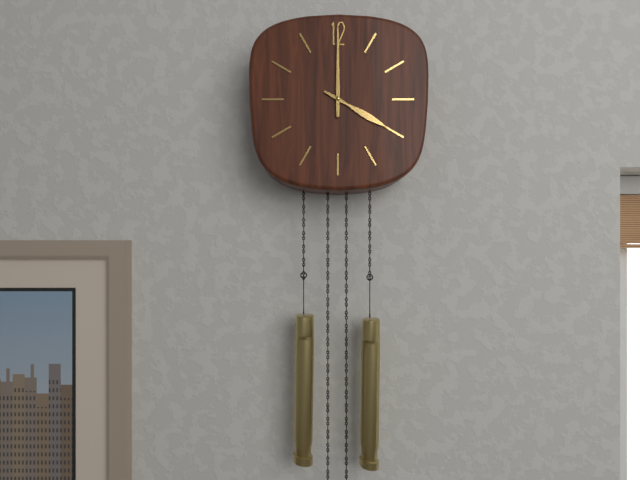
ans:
**4:00**
